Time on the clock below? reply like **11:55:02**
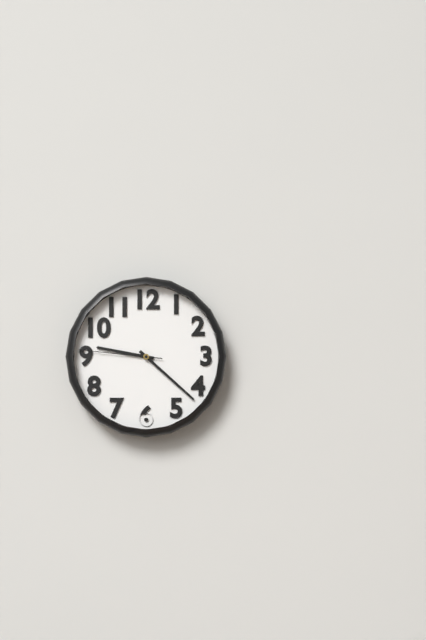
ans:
**9:22:46**
